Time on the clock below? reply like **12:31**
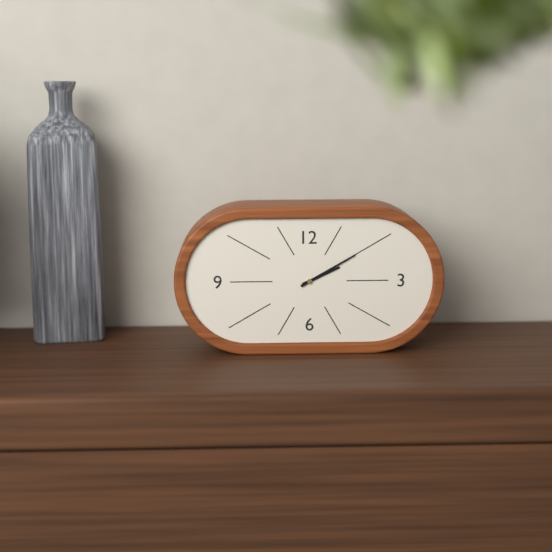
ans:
**2:10**
